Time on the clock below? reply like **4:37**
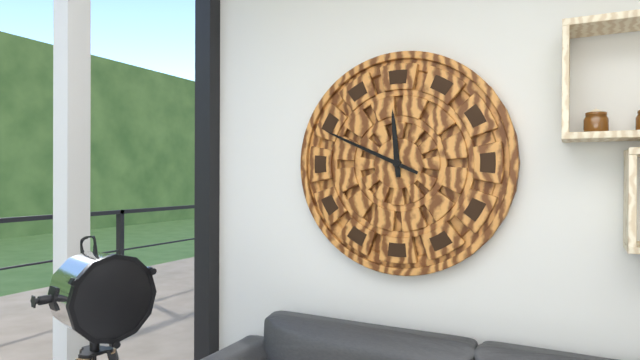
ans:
**11:49**
